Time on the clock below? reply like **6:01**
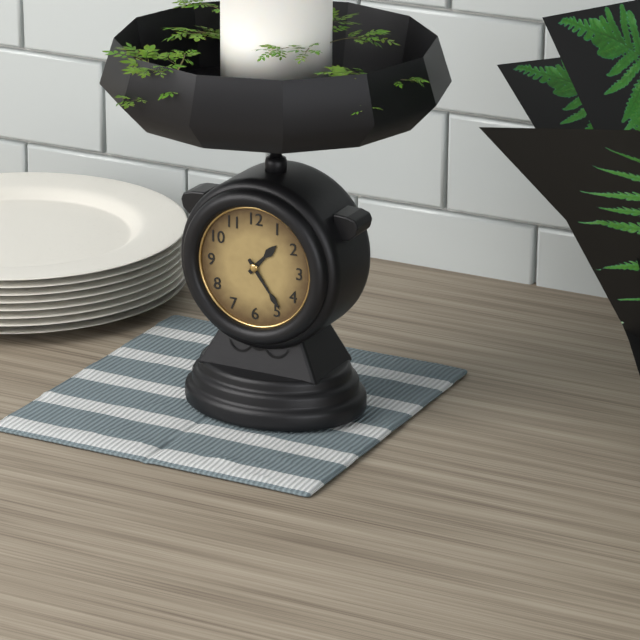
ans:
**1:24**
